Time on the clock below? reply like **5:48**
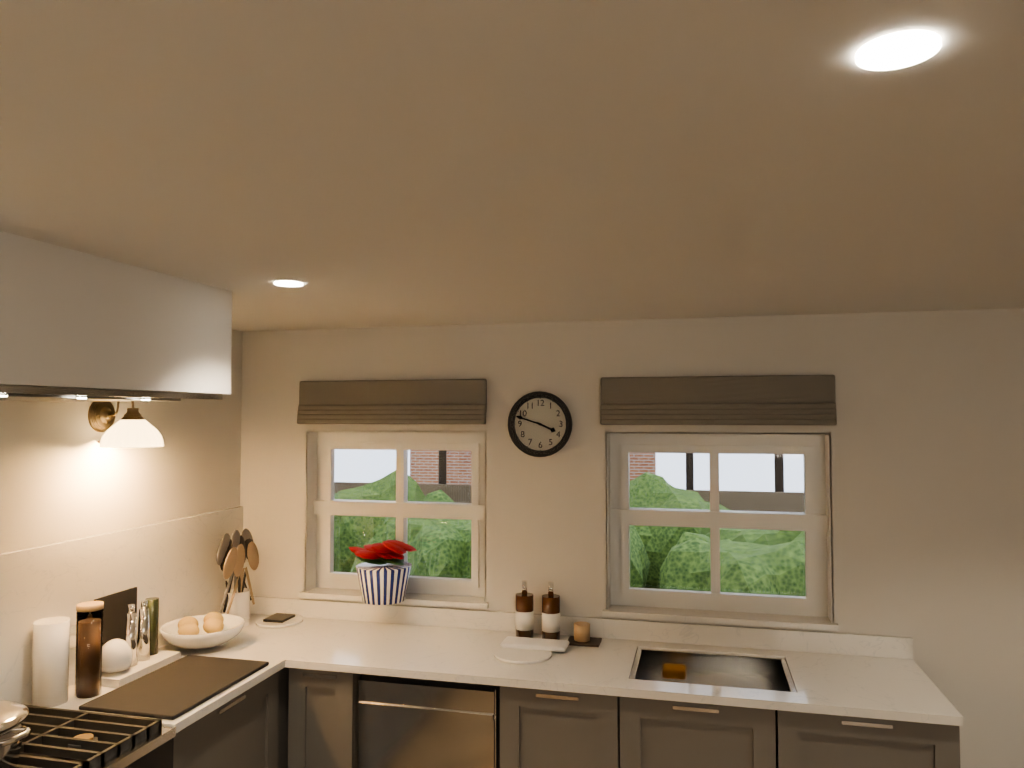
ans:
**3:48**
